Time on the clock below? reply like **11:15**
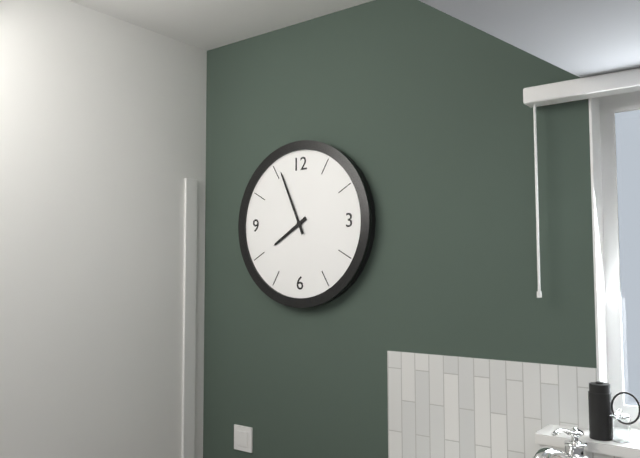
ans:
**7:56**
